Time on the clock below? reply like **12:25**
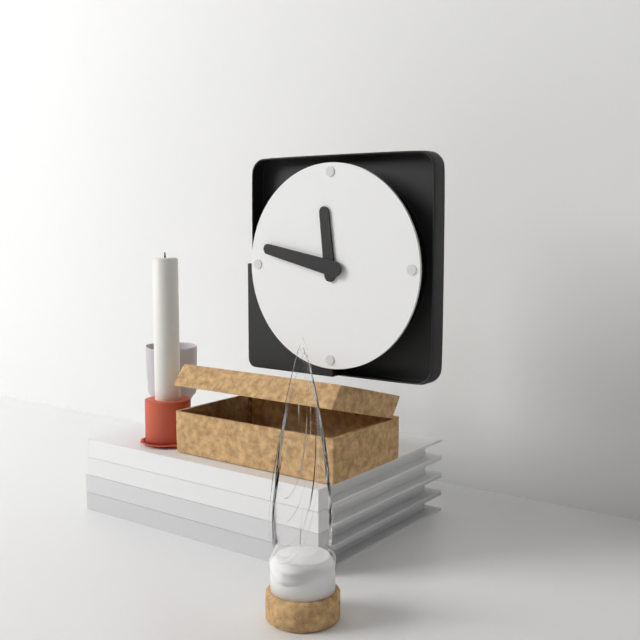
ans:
**11:47**
